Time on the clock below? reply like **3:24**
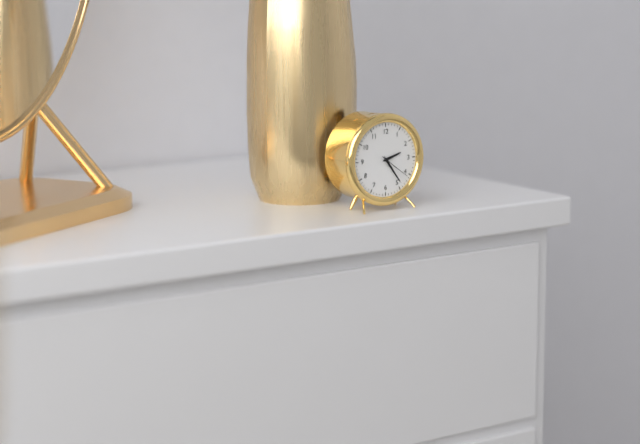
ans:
**2:24**
